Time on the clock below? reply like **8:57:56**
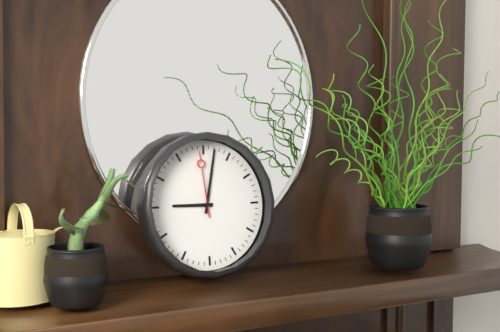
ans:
**9:02:59**
